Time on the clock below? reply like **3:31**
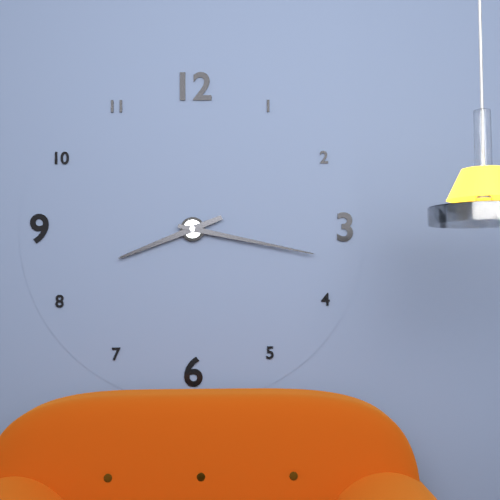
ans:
**8:17**
